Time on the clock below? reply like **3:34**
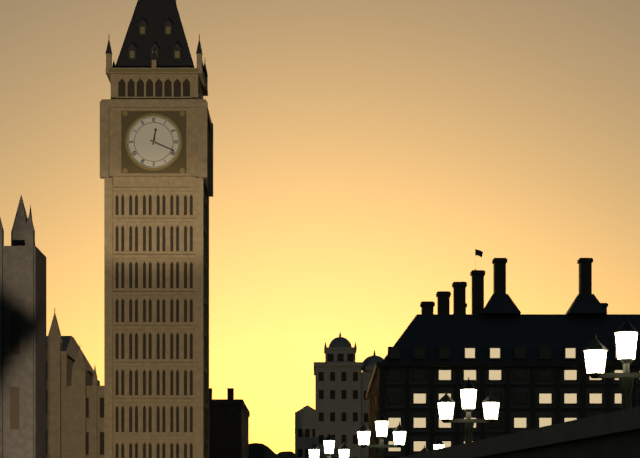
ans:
**12:19**
